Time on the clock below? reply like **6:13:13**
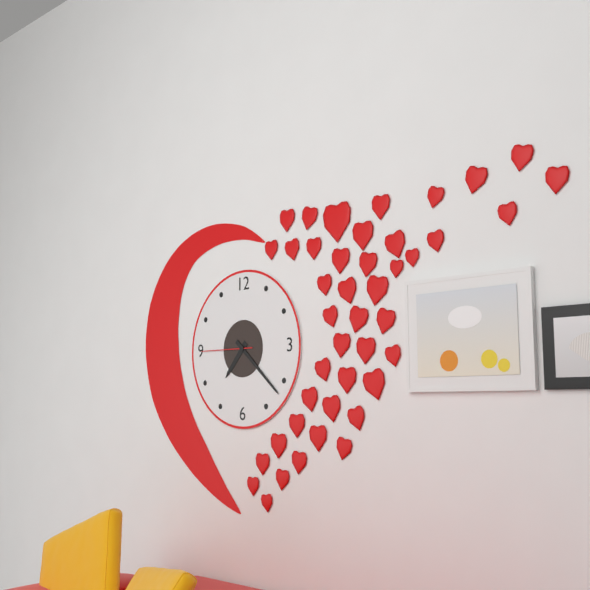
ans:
**7:22:45**
